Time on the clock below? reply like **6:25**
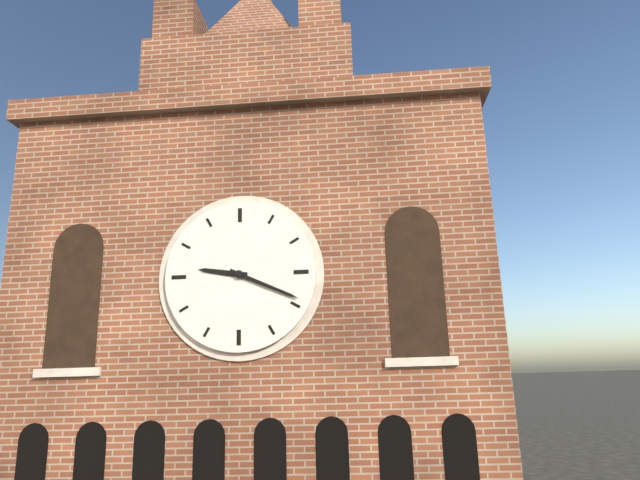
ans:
**9:19**
